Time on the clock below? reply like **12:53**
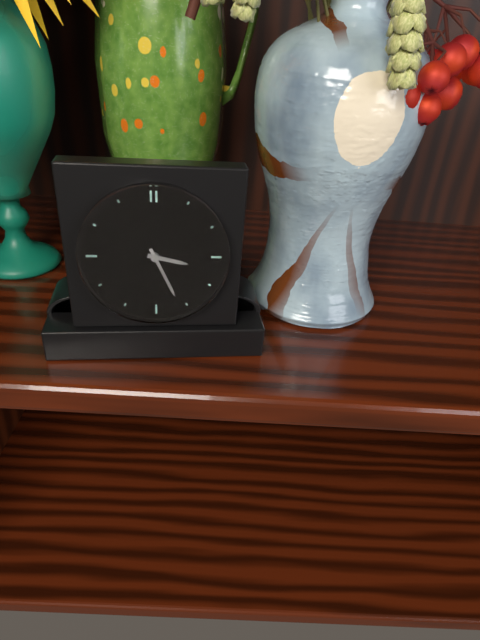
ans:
**3:26**
